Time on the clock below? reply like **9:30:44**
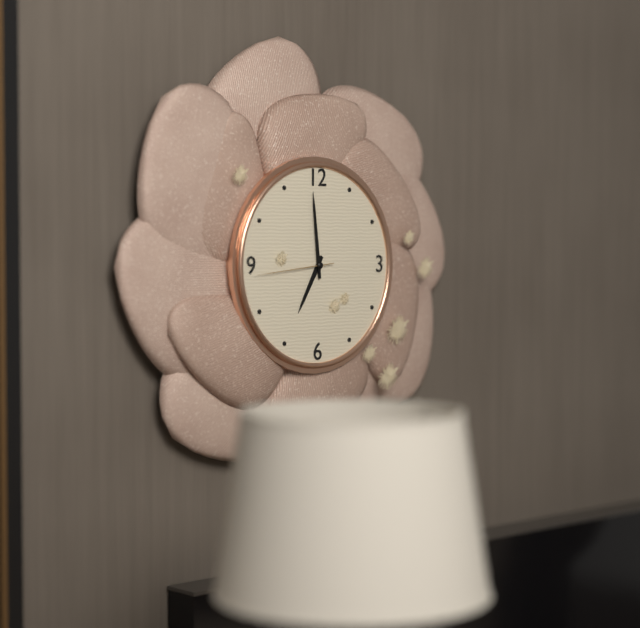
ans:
**6:59:44**
